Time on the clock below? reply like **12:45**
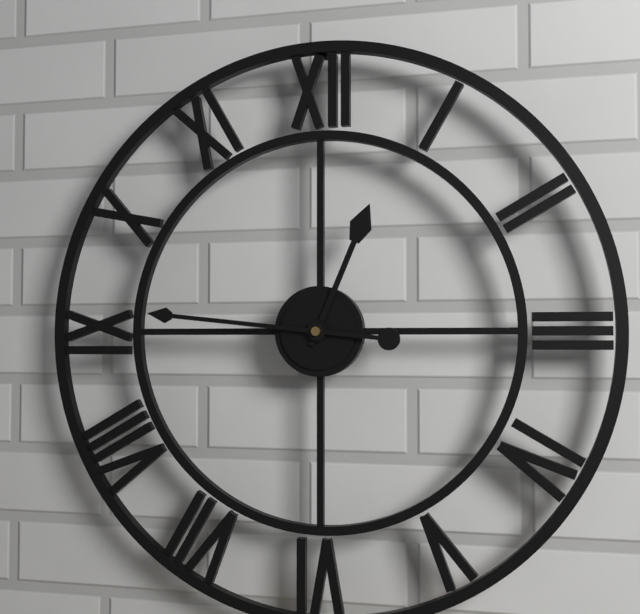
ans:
**12:46**
